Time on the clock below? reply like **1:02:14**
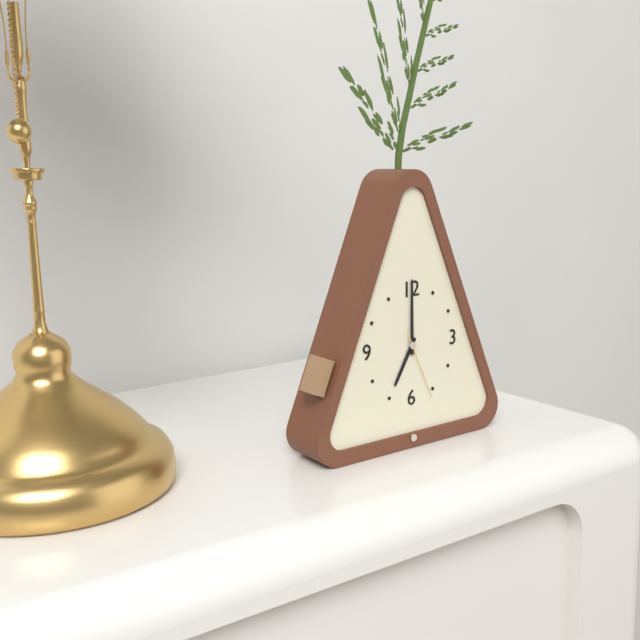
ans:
**7:00:26**
